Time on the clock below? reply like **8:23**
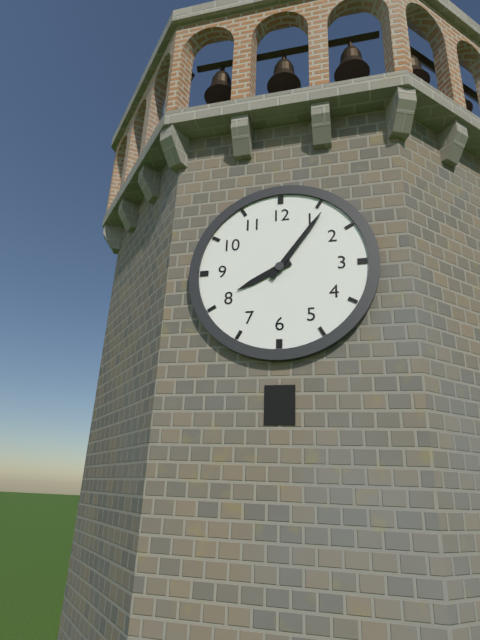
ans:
**8:06**
